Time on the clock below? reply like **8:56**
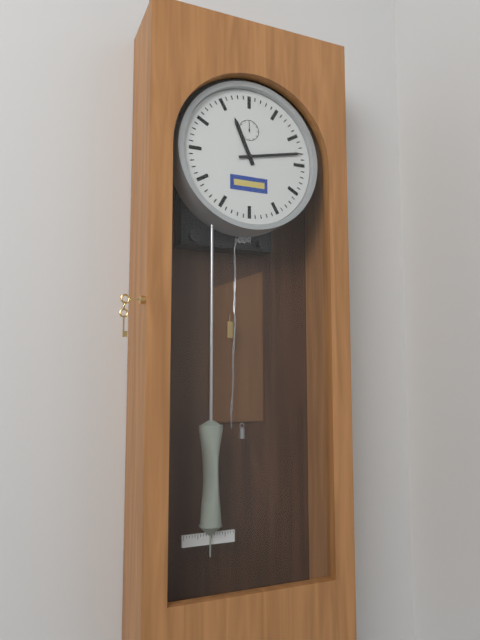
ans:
**11:13**
